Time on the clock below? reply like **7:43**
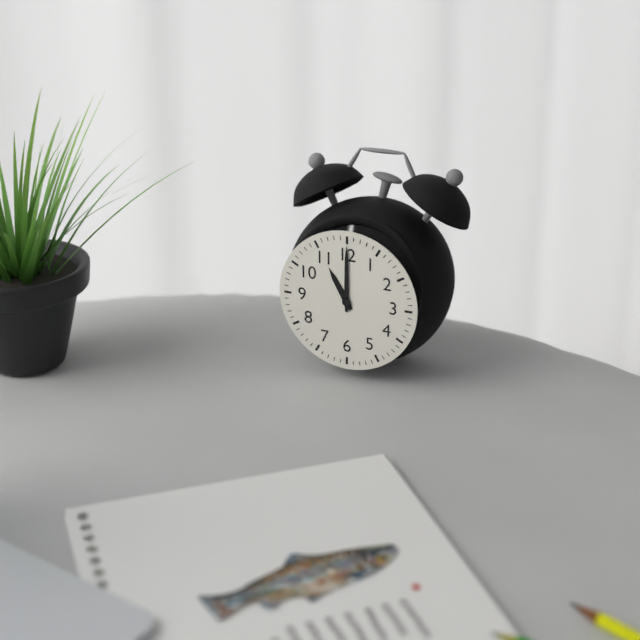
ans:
**11:00**
